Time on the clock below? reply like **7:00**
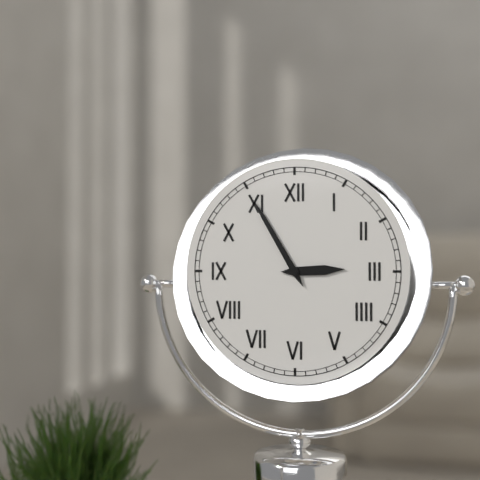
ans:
**2:55**
